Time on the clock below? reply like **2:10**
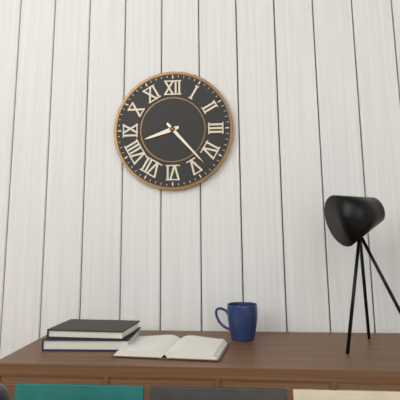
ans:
**8:23**
